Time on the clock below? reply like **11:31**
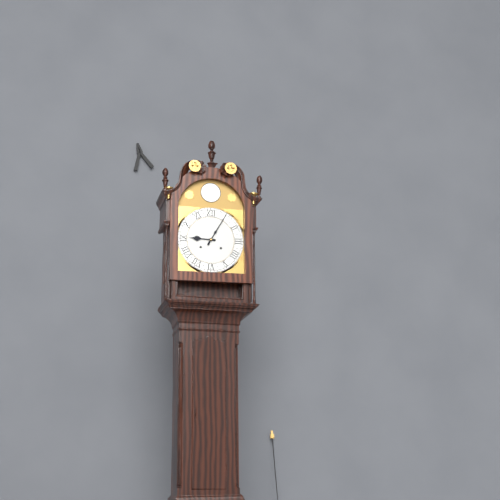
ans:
**9:05**
